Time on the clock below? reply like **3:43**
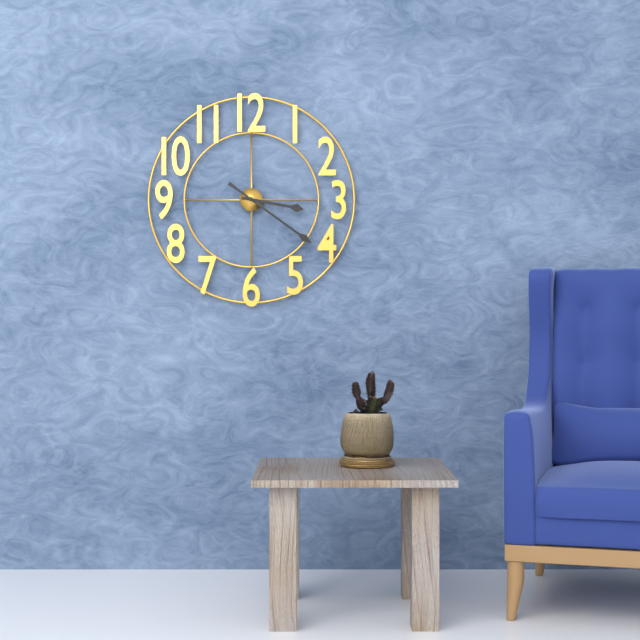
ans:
**3:21**
